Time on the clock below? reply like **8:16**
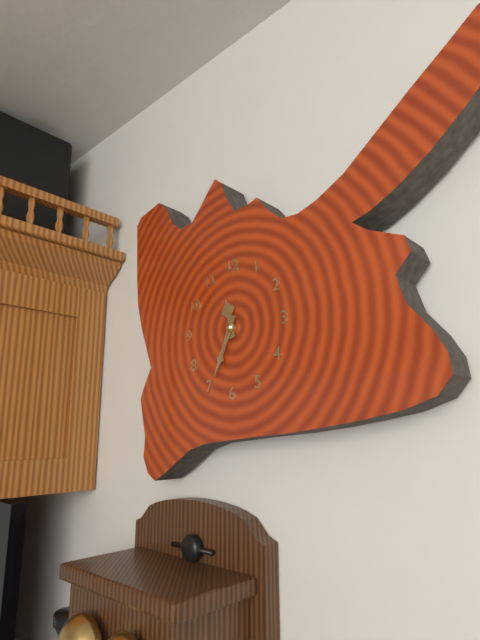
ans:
**11:34**
